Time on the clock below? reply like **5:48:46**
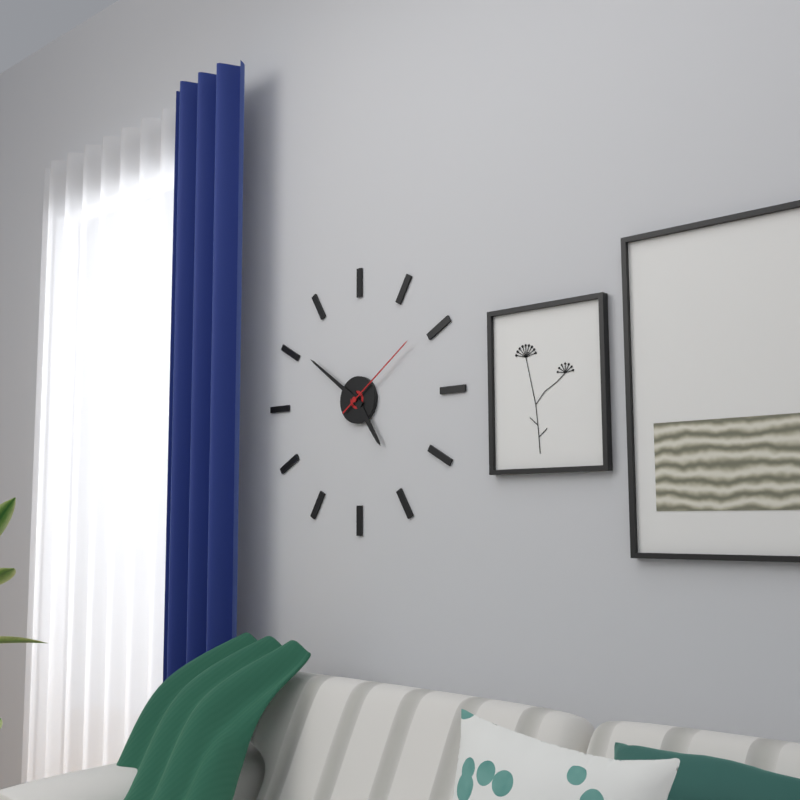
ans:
**4:51:09**
